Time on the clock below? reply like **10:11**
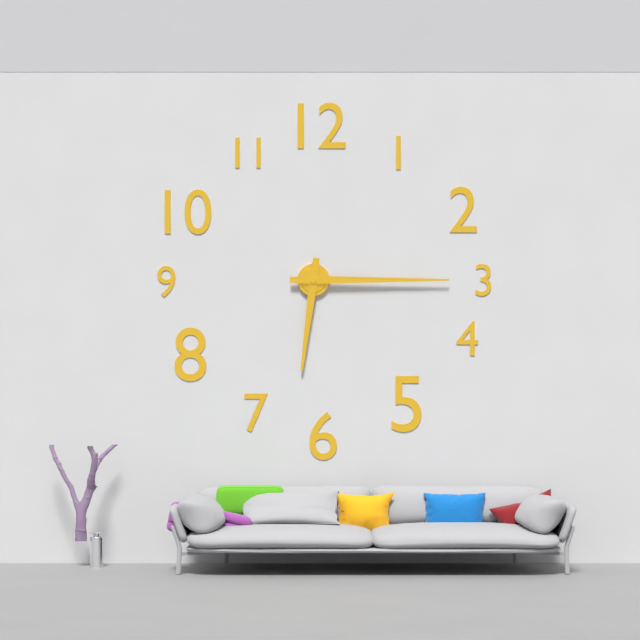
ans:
**6:15**
